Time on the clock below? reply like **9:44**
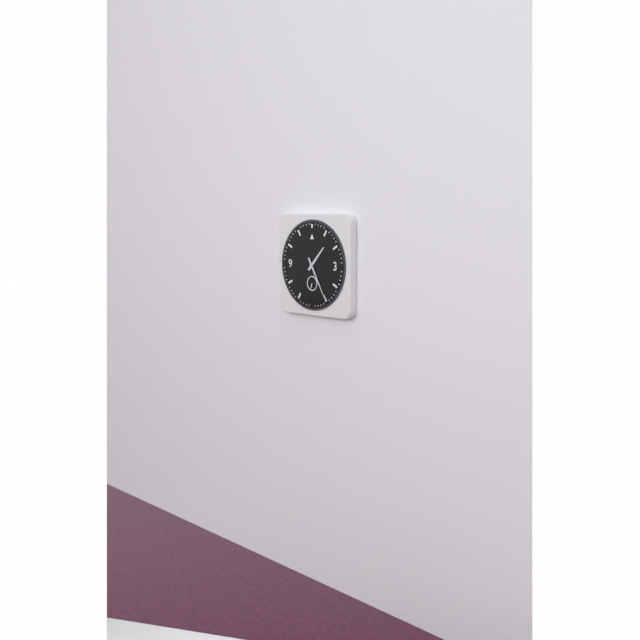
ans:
**1:25**
